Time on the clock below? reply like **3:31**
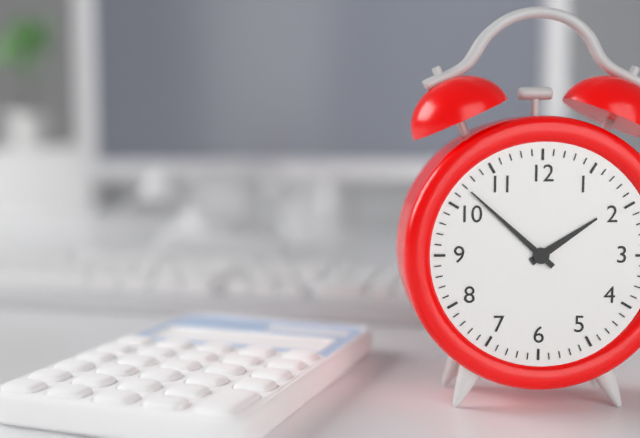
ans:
**1:52**
